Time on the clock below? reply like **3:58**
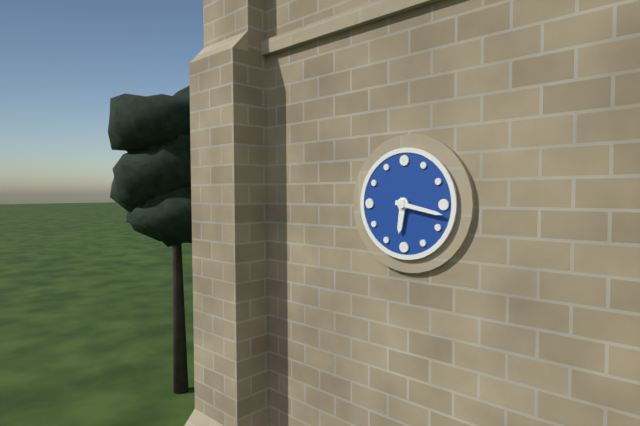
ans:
**6:17**
